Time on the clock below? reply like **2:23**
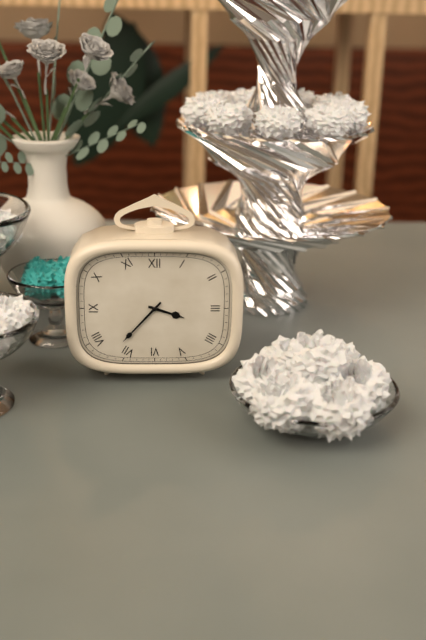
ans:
**3:37**
